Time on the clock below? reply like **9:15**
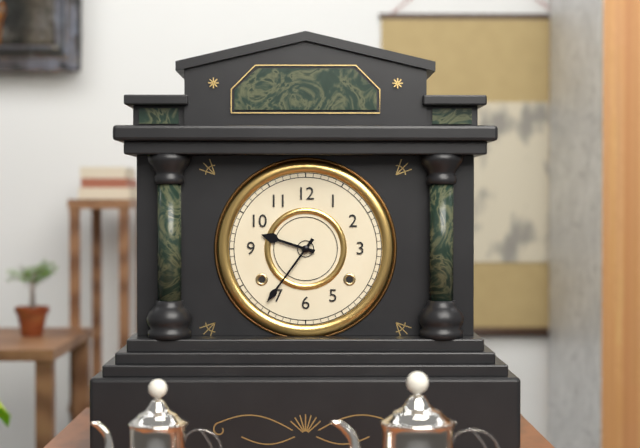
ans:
**9:36**
